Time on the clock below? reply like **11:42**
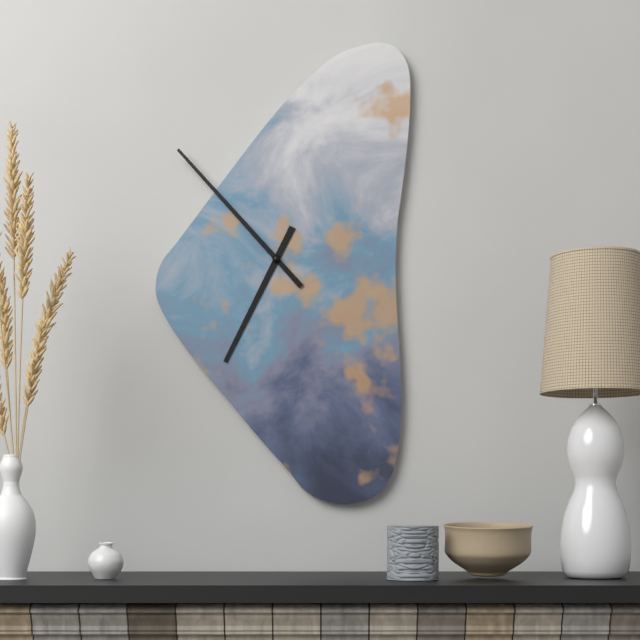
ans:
**6:53**
